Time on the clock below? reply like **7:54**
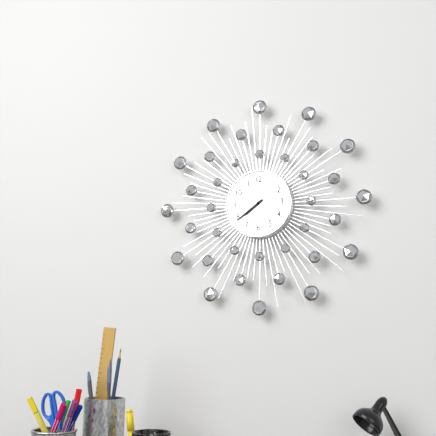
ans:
**7:39**
